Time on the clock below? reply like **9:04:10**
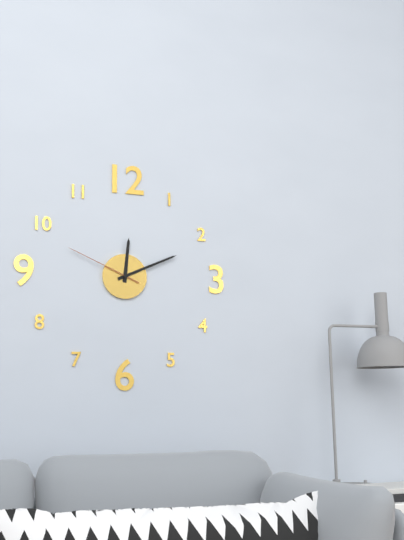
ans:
**12:11:49**
